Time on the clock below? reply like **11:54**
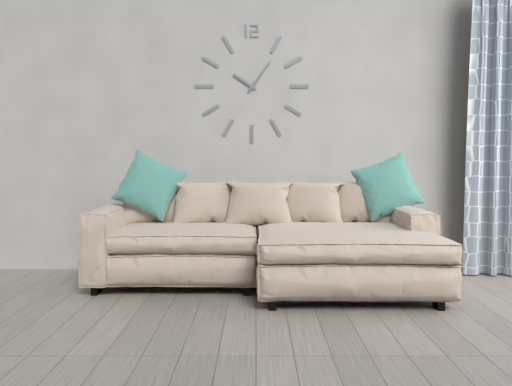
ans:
**10:06**
